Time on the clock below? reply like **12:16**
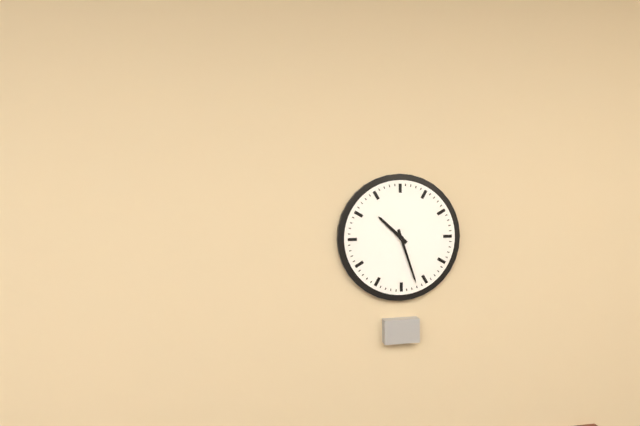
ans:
**10:27**
